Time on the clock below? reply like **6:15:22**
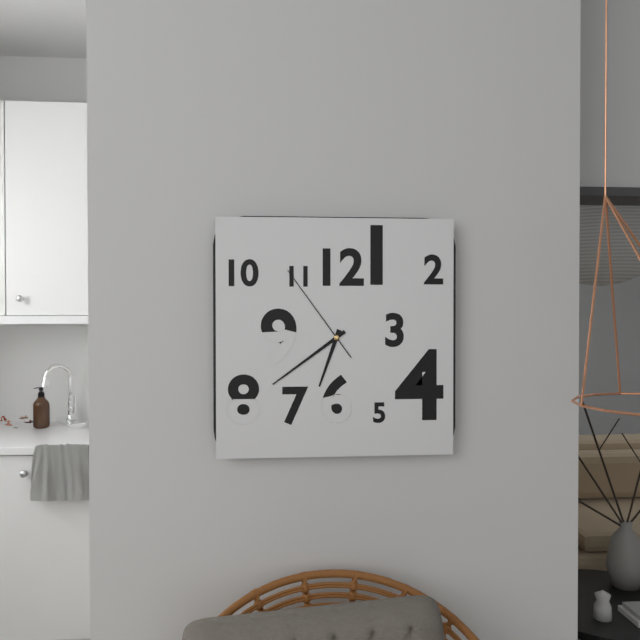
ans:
**6:39:54**
